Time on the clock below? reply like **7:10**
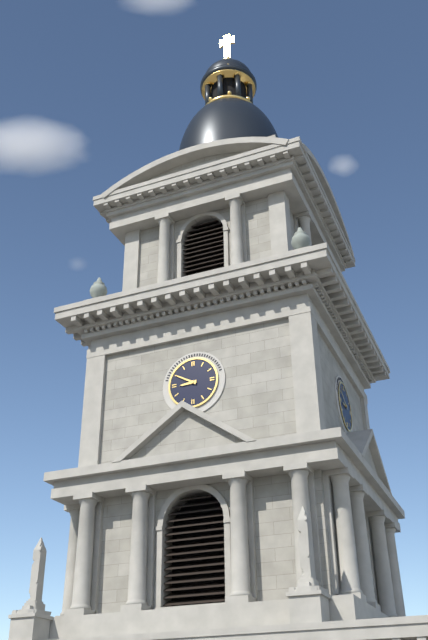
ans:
**8:50**
